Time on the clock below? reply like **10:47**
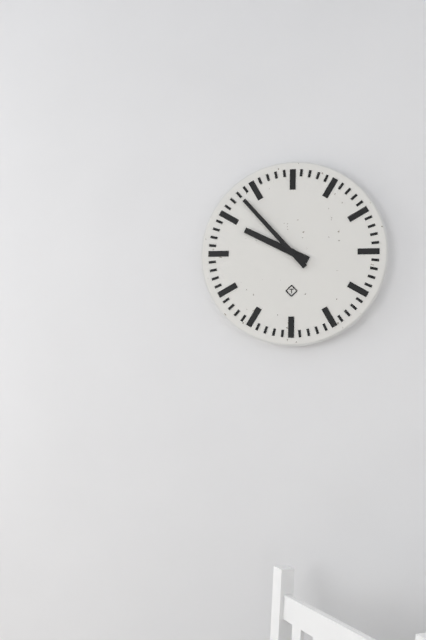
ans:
**9:53**
